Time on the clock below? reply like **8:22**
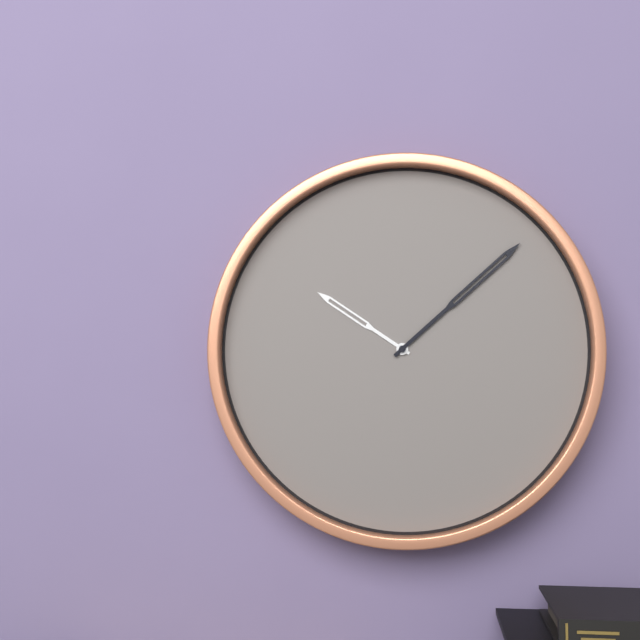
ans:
**10:08**
